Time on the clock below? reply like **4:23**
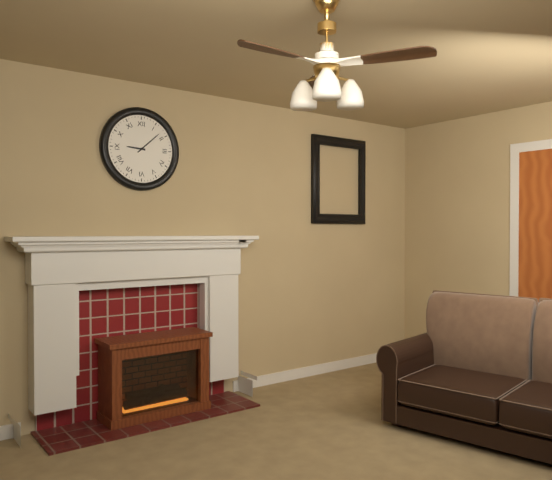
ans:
**9:08**
